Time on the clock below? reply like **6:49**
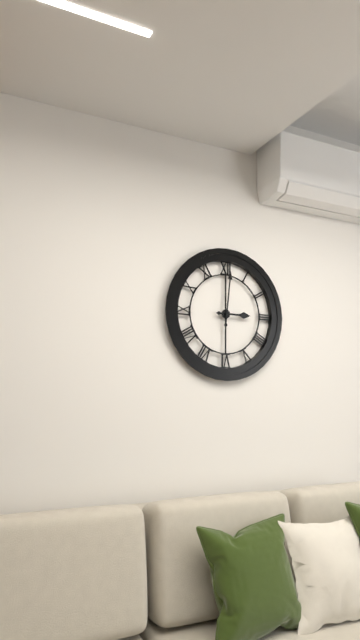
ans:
**3:01**
